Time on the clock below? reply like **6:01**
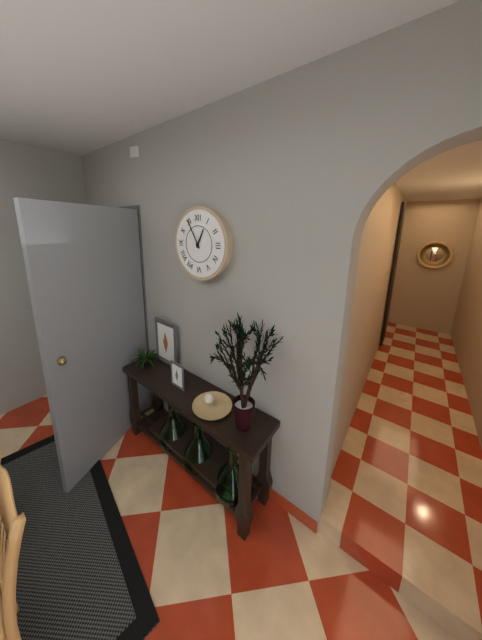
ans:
**12:55**
